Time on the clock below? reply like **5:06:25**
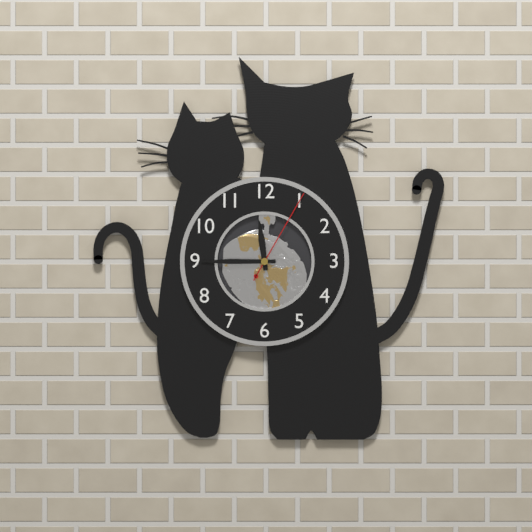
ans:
**11:45:05**
